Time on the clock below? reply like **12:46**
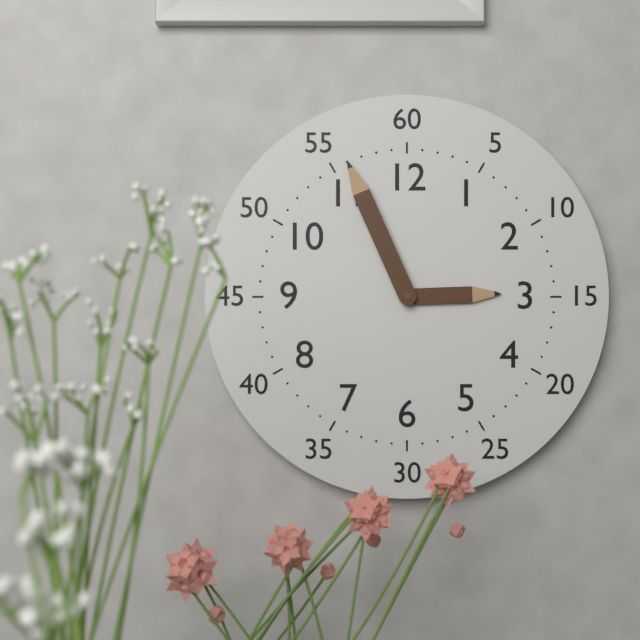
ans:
**2:56**
